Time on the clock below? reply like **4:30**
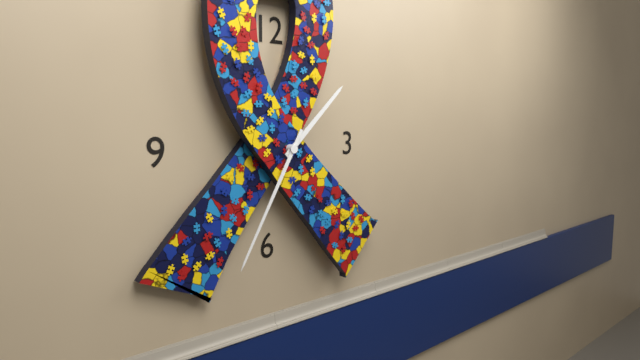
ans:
**1:35**
